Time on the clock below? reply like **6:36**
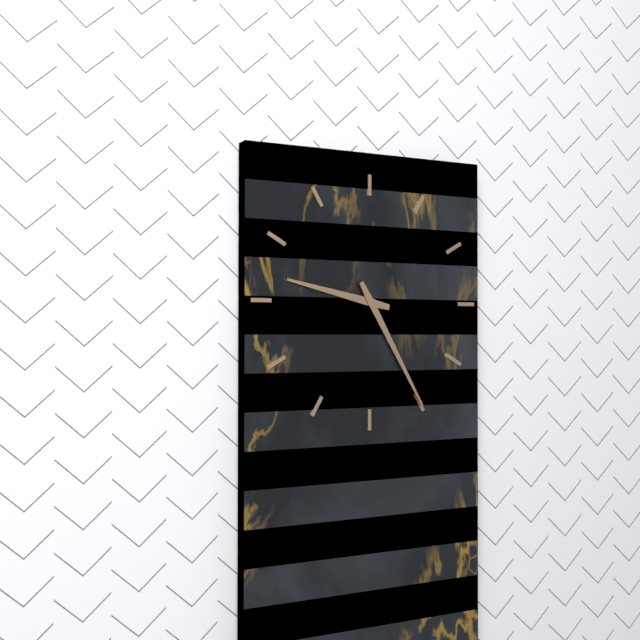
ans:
**9:25**
